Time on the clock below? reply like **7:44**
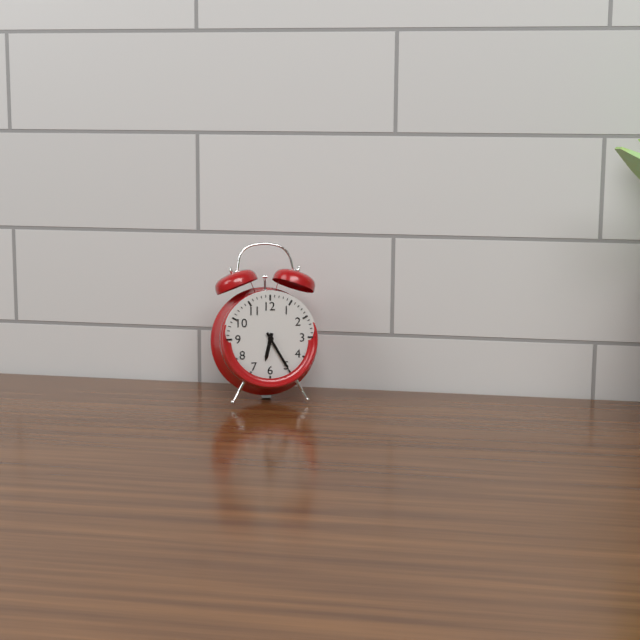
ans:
**6:25**
